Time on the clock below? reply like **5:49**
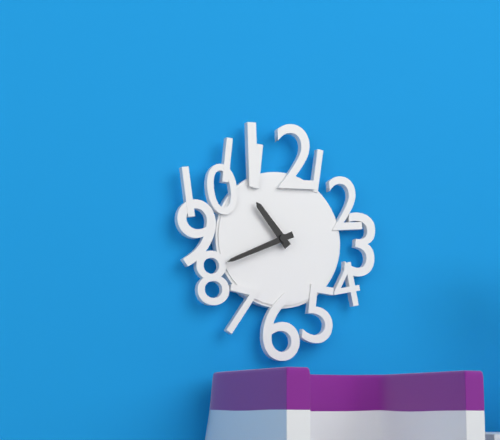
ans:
**10:41**
